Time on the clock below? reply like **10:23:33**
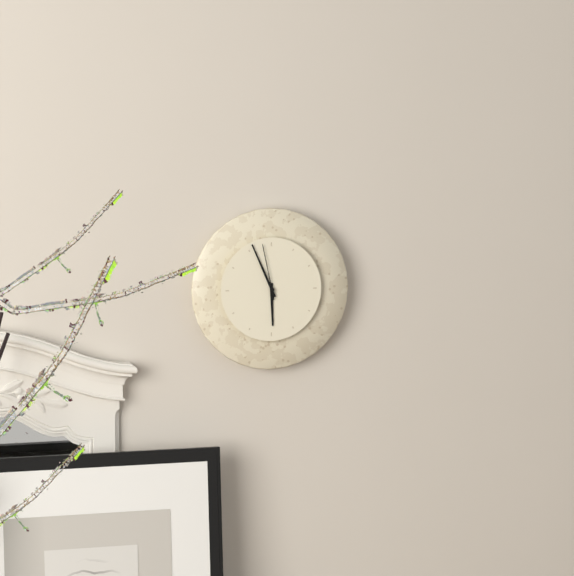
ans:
**5:56:58**
